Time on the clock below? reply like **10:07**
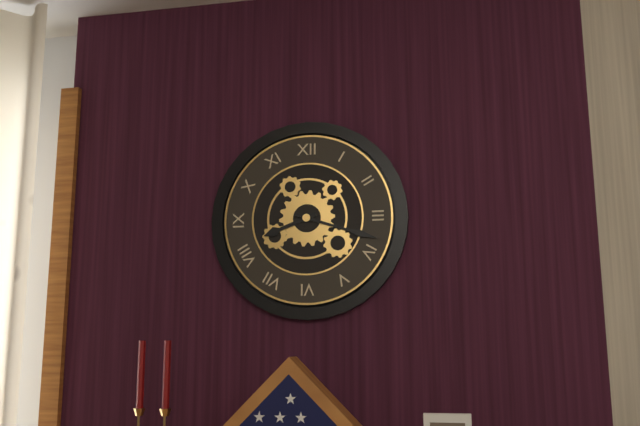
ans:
**8:18**
